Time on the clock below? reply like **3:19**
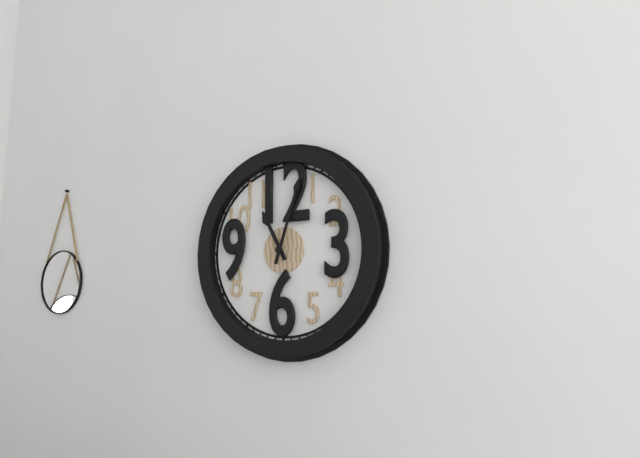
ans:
**11:03**
